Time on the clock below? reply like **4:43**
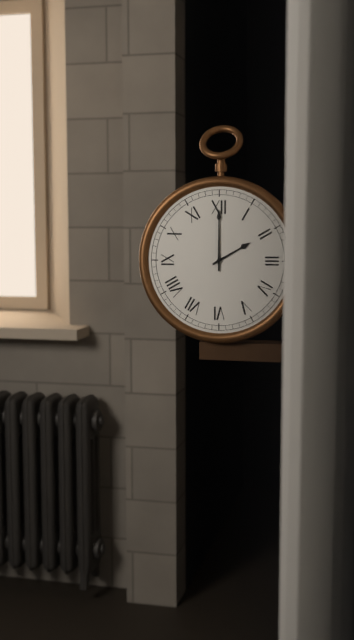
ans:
**2:00**
